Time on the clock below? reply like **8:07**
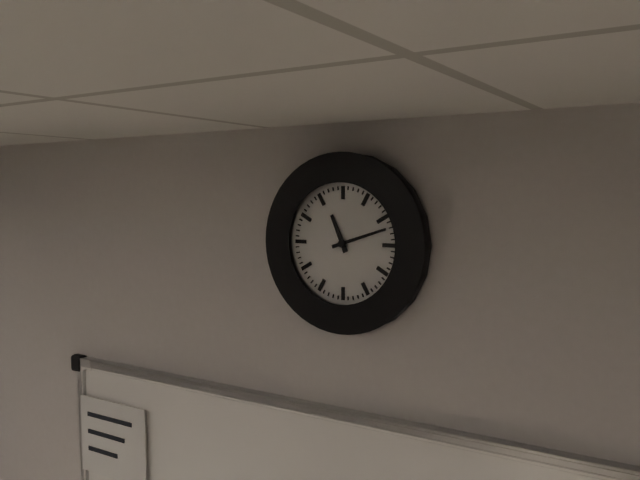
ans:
**11:12**
